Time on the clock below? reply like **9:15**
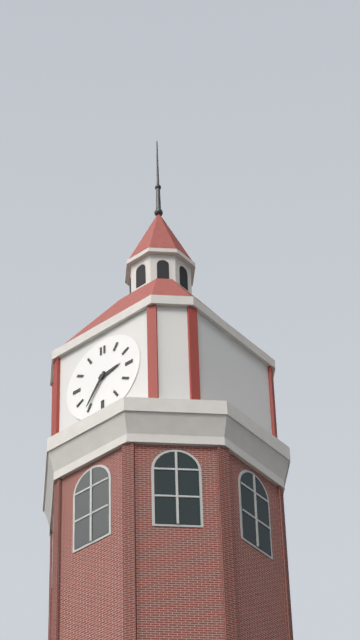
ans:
**2:36**
